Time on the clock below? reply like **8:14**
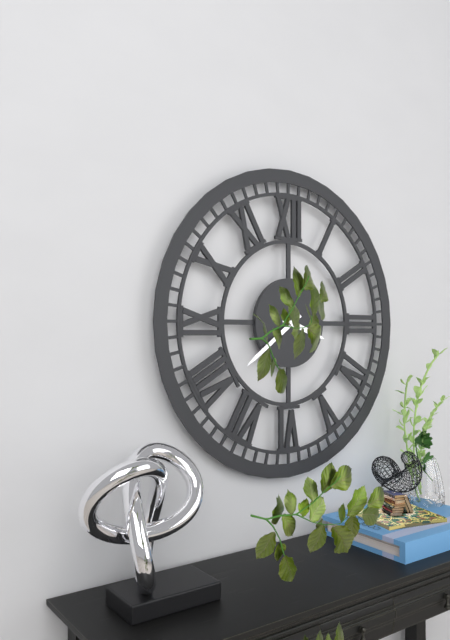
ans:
**3:39**
